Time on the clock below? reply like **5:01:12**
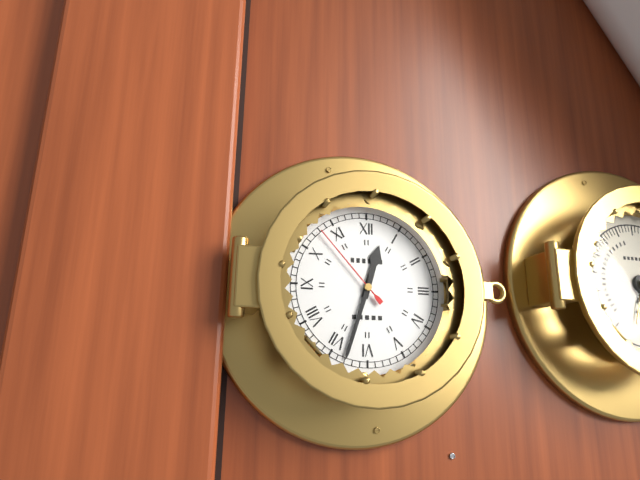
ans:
**12:33:53**
